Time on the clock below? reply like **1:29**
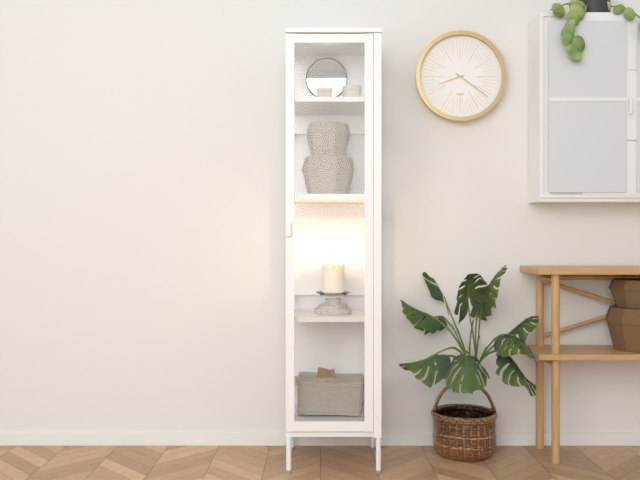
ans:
**8:21**
